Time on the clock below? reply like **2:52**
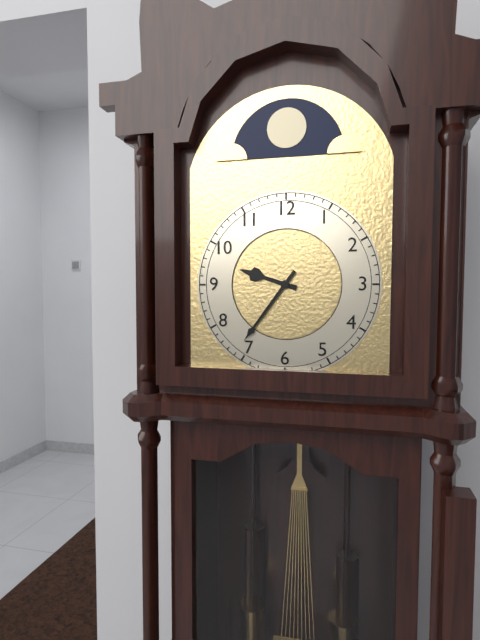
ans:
**9:36**
